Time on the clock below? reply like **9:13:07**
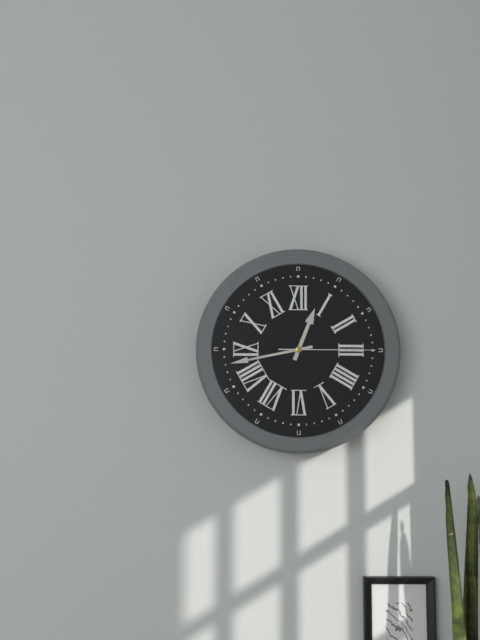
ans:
**12:43:15**
